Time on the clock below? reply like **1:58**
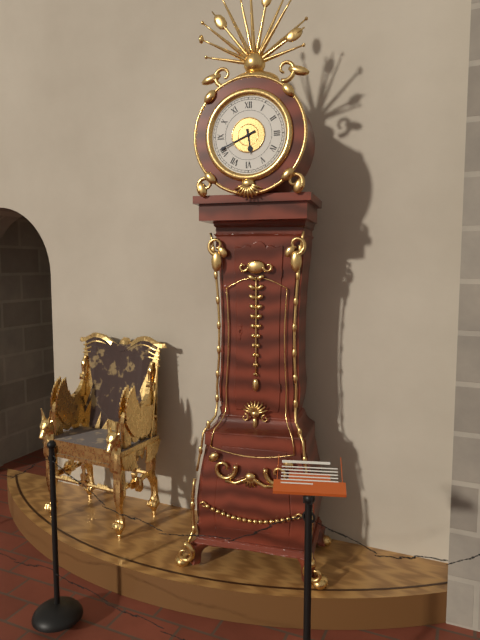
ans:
**5:41**
